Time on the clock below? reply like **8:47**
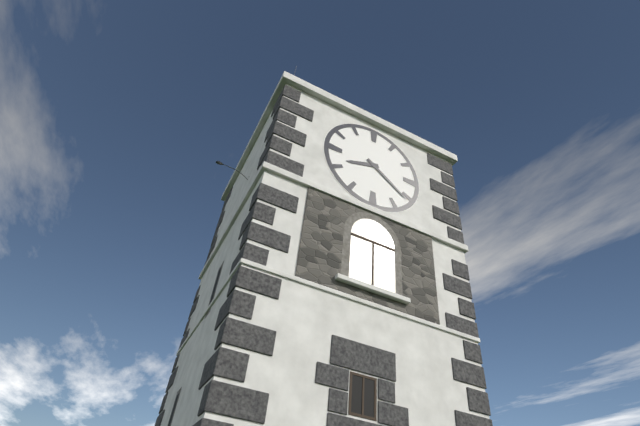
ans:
**8:21**
